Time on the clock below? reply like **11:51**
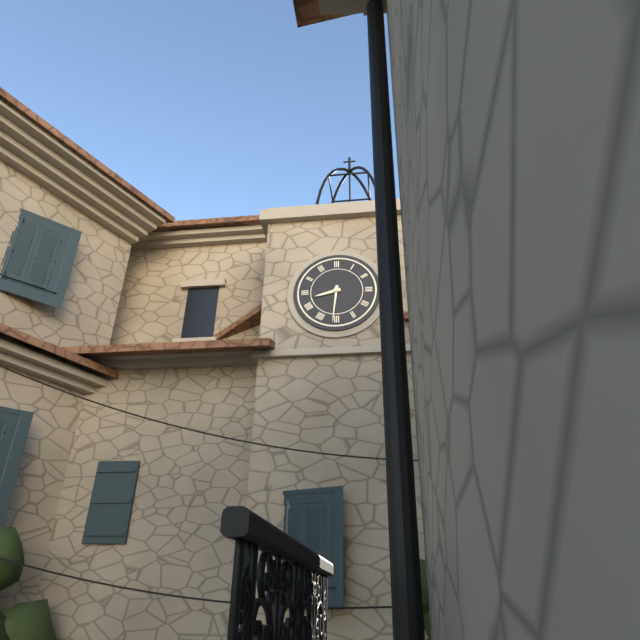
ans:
**8:31**
